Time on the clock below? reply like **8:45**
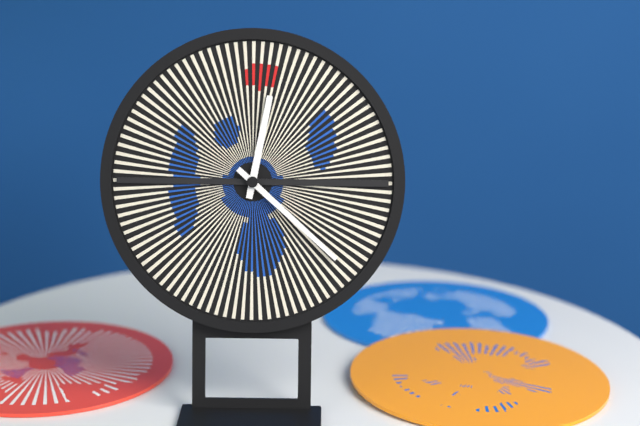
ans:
**12:22**
